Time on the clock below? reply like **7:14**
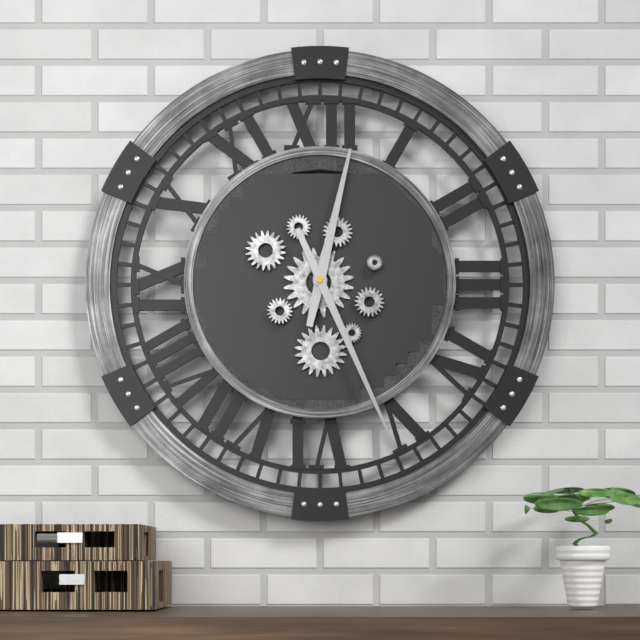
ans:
**12:26**
